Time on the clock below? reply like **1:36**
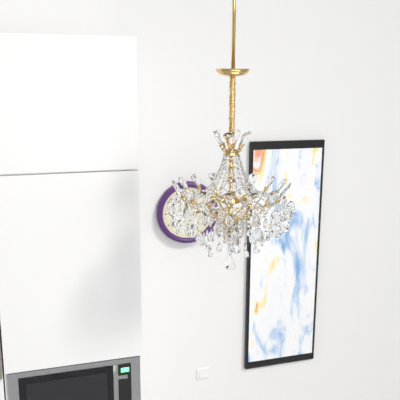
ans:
**2:58**
